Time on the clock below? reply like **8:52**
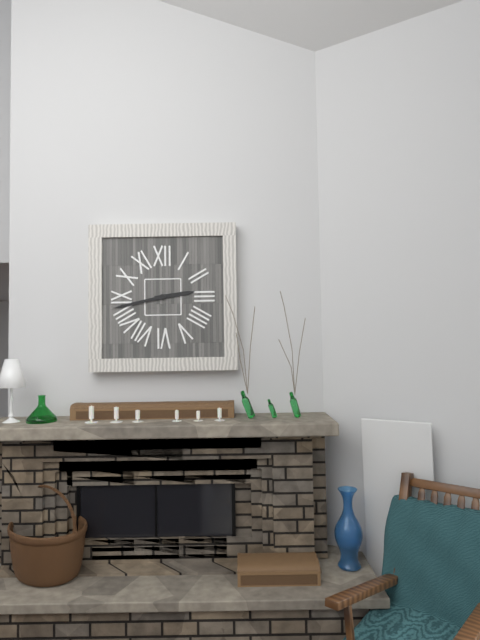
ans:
**2:43**
